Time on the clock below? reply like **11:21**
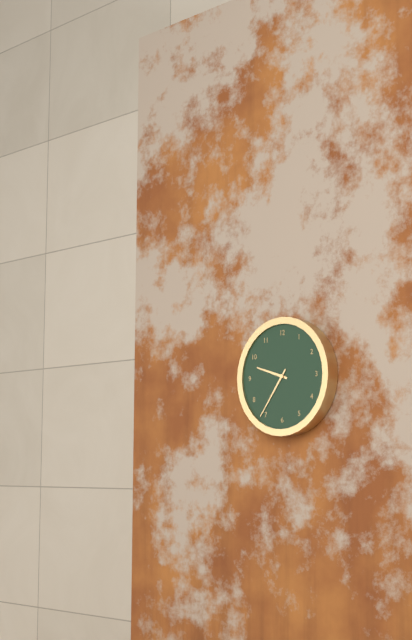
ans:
**9:36**
